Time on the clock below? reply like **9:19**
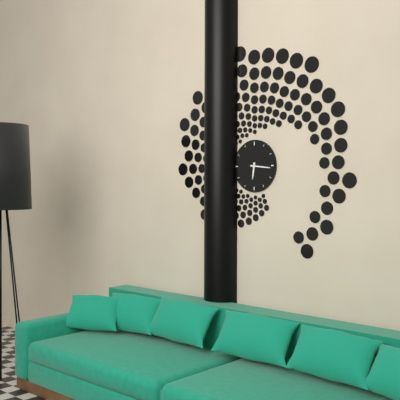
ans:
**6:16**
